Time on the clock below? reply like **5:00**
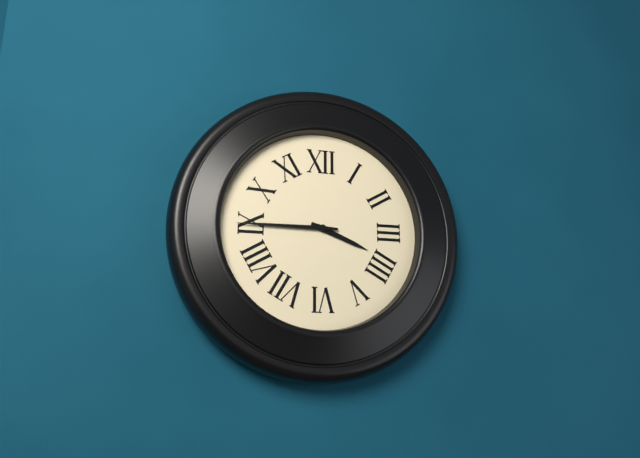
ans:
**3:45**
